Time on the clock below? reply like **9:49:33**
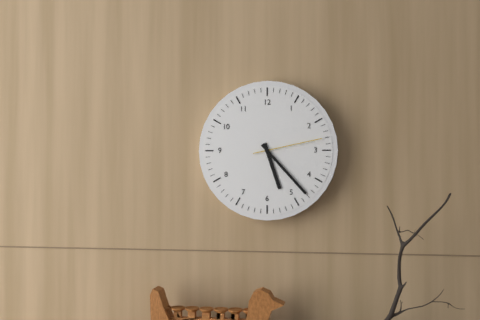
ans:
**5:23:13**
